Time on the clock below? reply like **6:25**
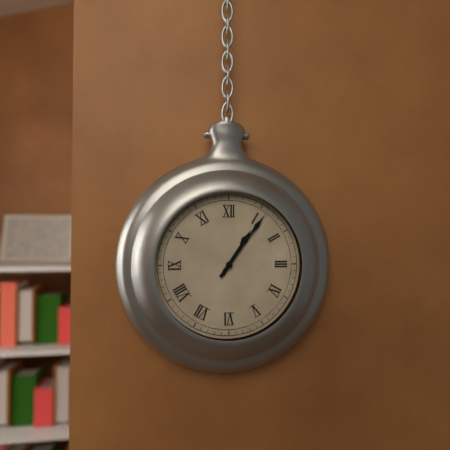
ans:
**1:06**
